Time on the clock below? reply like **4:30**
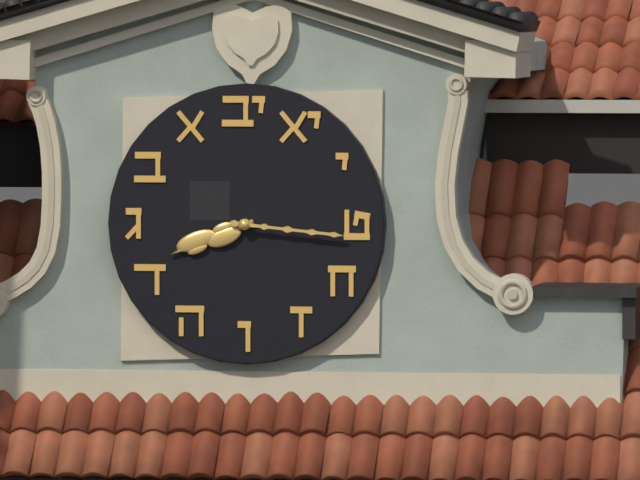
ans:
**8:16**
